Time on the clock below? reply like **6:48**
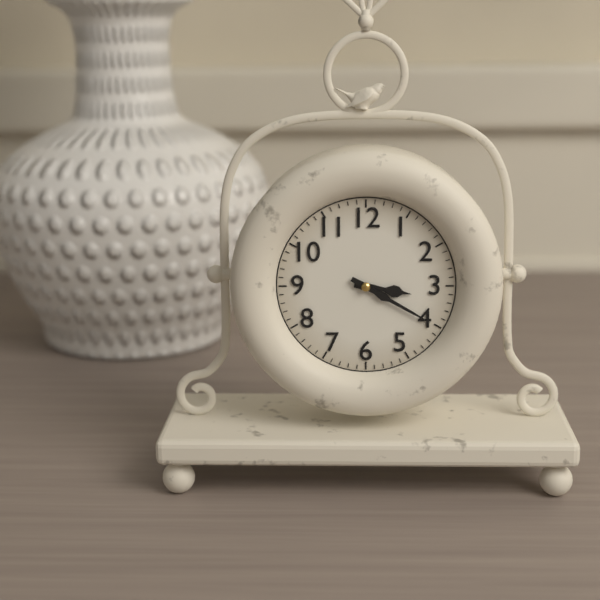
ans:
**3:20**
